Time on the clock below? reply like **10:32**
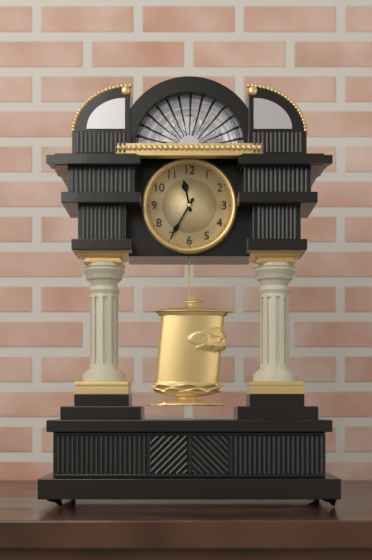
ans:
**11:35**
